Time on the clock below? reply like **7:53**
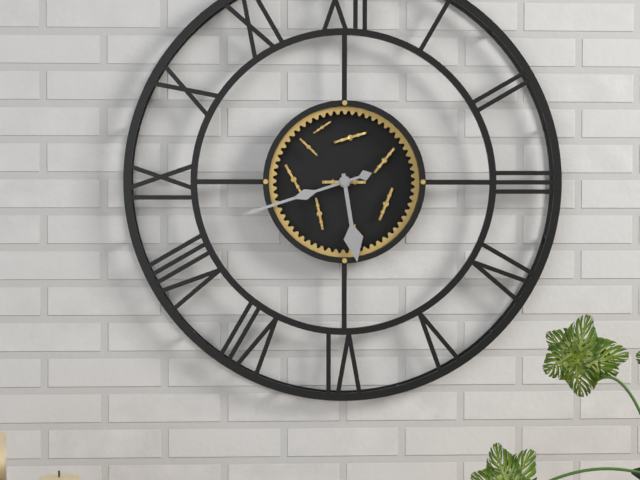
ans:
**5:42**
